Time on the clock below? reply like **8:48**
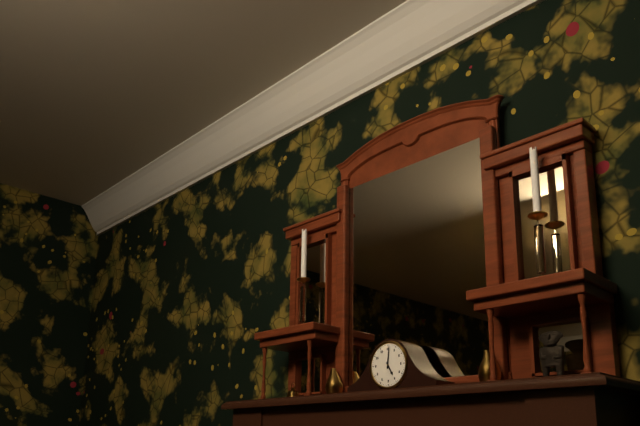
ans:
**5:01**
